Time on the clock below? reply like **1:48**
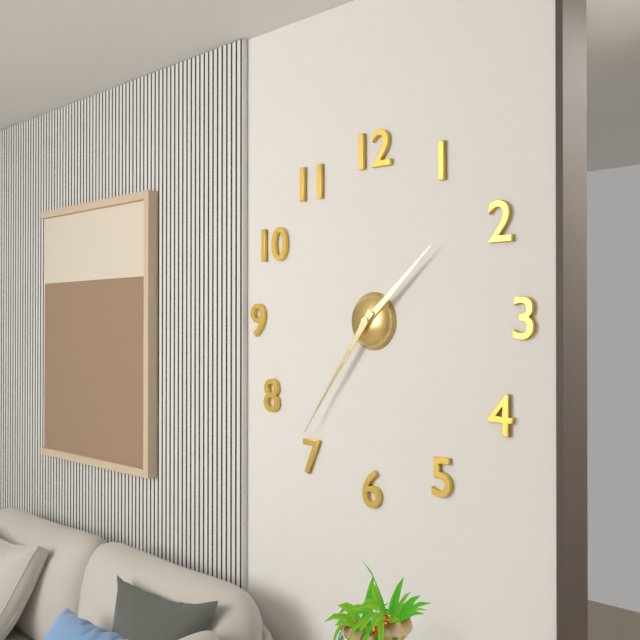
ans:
**1:36**
